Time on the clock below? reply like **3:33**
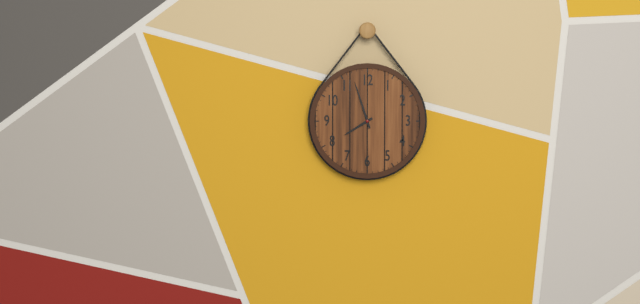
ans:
**7:57**
